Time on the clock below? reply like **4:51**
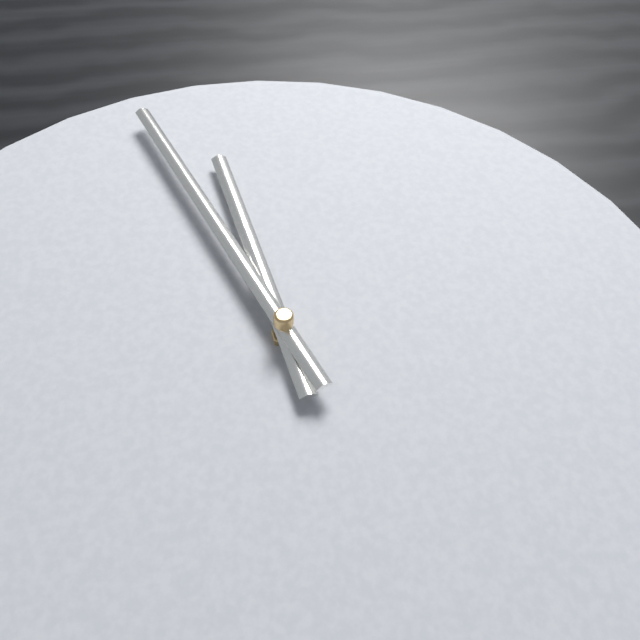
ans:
**11:58**
